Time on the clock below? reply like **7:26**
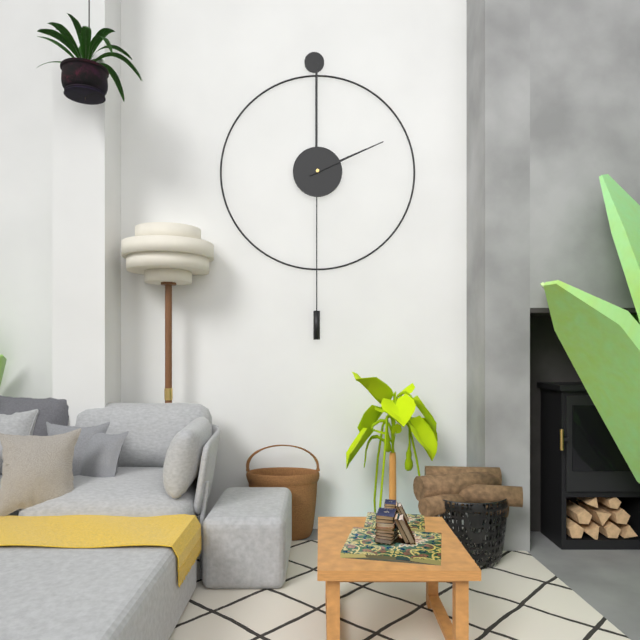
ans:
**2:11**
